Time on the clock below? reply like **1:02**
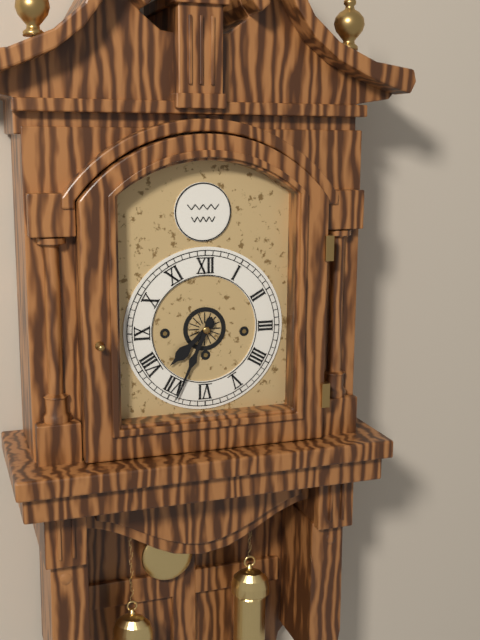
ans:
**7:34**
